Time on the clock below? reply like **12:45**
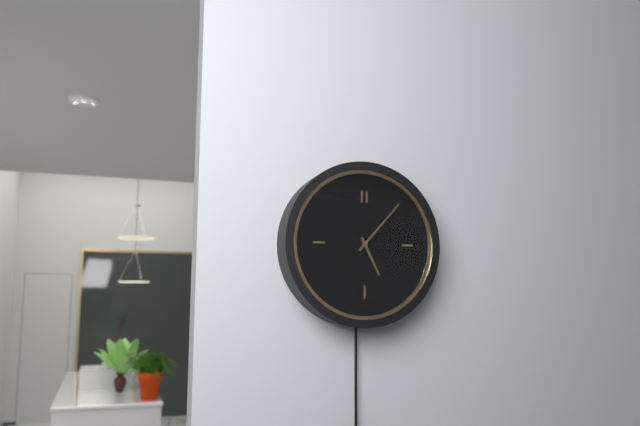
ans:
**5:07**
